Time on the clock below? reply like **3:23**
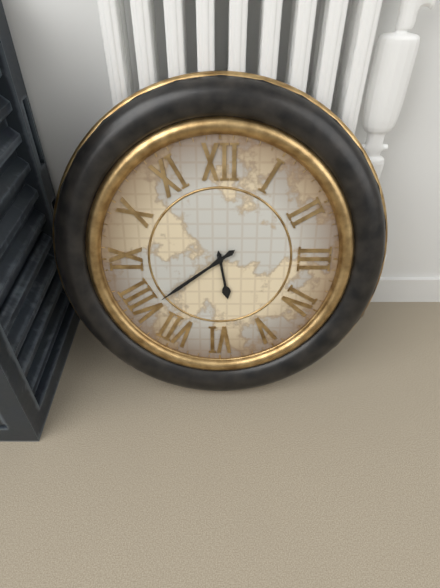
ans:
**5:39**
